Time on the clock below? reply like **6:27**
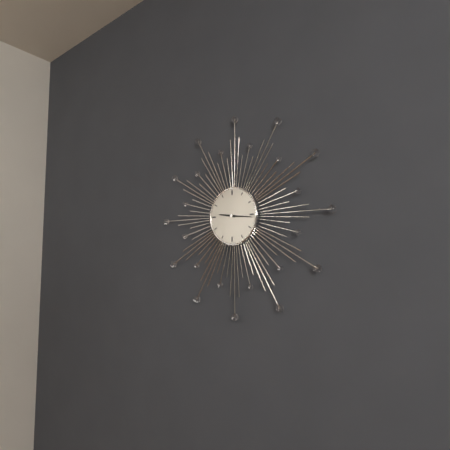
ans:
**9:16**
